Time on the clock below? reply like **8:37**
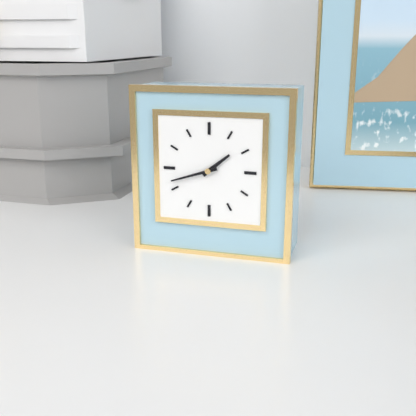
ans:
**1:42**
